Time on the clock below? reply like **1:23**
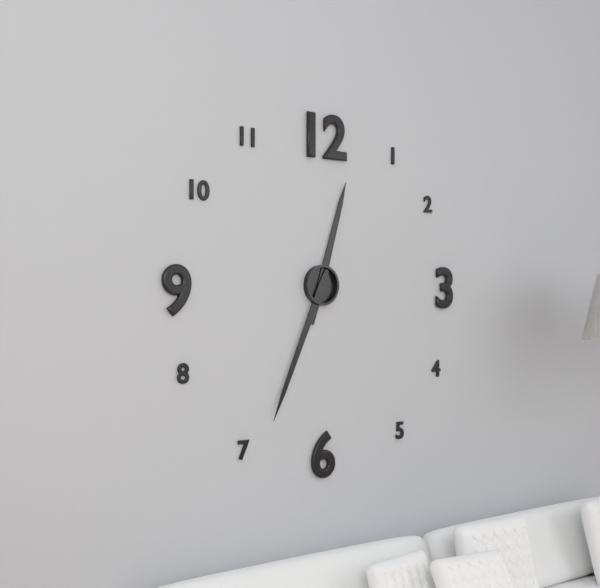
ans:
**12:34**
